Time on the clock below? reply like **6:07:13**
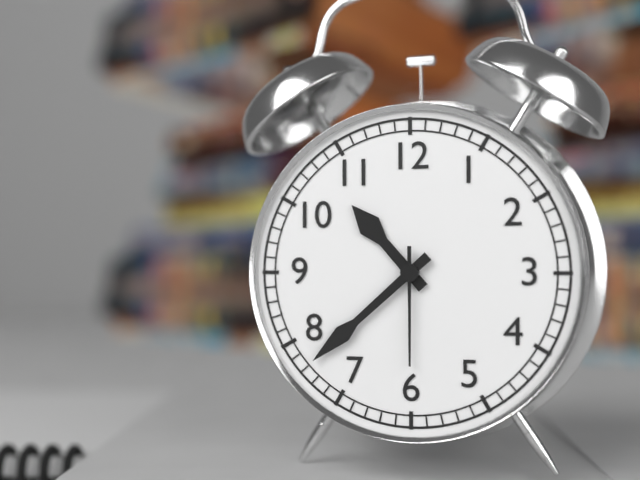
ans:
**10:38:30**
